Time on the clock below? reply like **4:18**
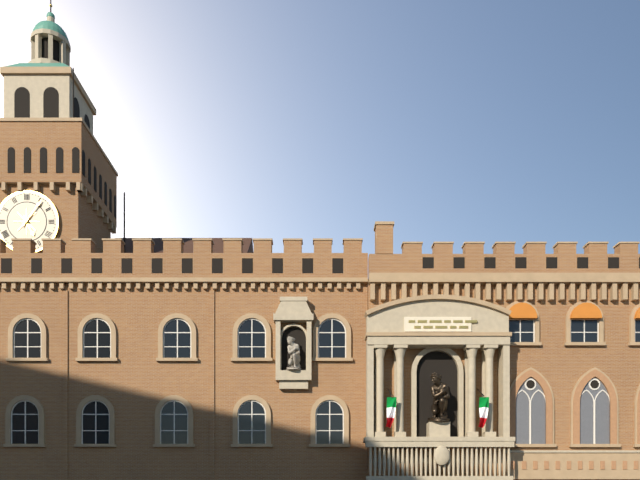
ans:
**5:06**
